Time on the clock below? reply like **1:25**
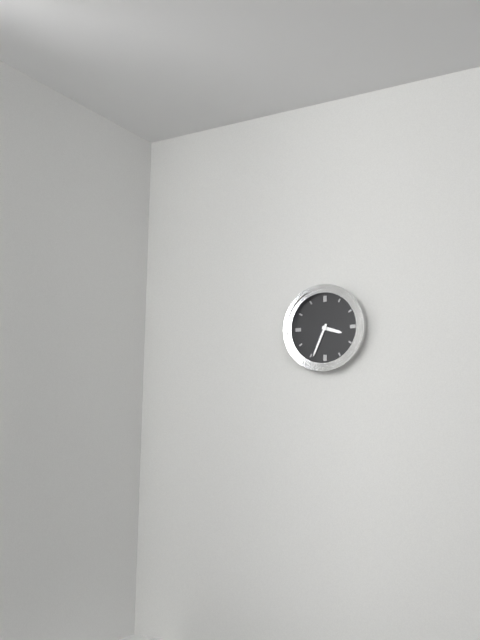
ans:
**3:34**
